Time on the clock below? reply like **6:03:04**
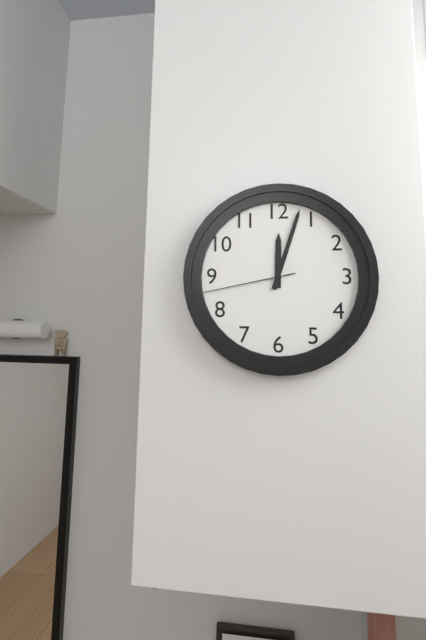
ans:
**12:03:43**
